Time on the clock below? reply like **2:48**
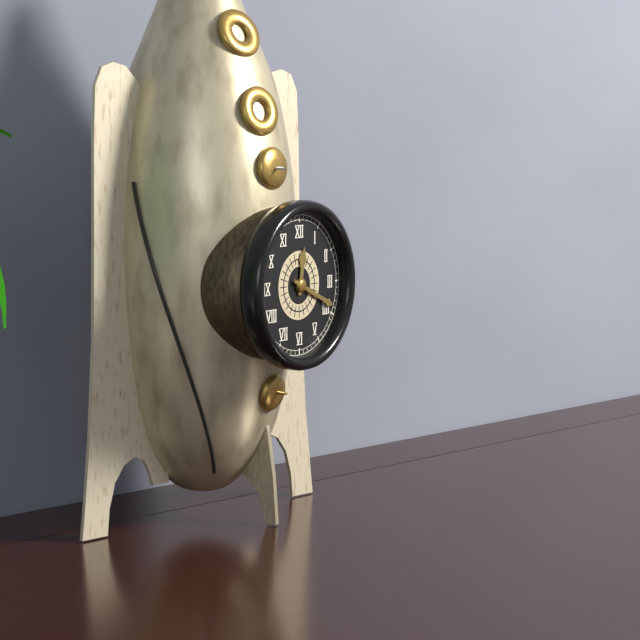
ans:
**12:19**
